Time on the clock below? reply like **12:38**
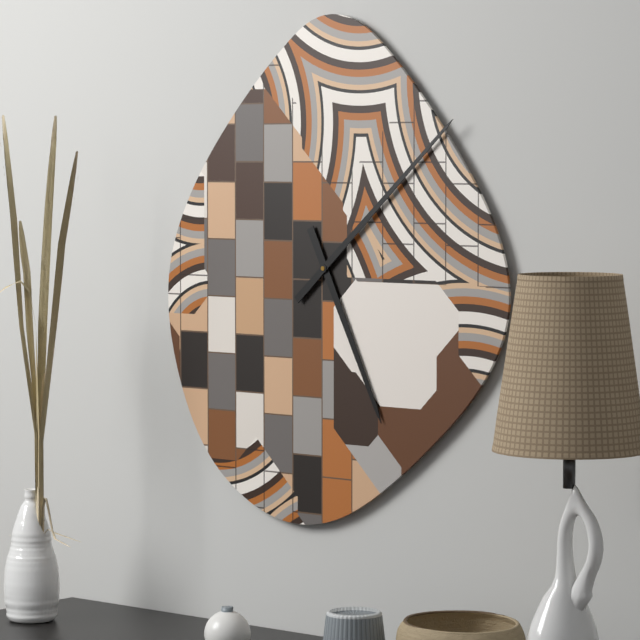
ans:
**5:08**
